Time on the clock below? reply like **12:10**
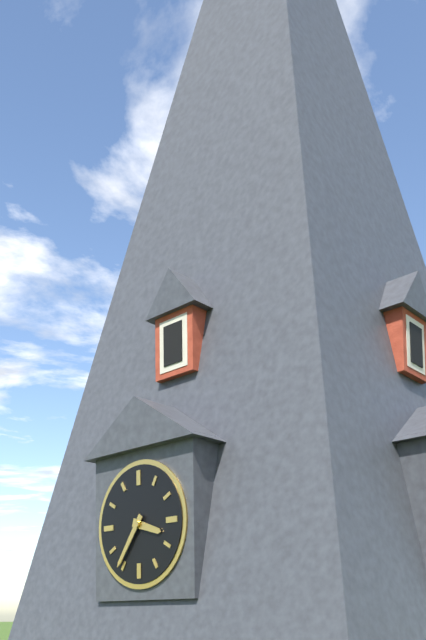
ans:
**3:36**
